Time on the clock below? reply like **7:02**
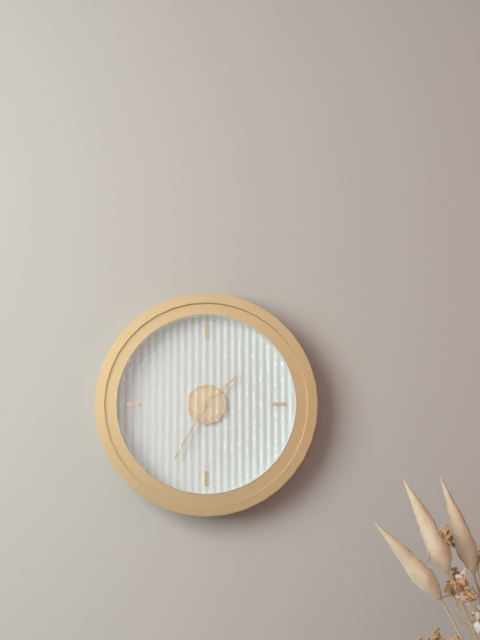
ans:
**1:35**
